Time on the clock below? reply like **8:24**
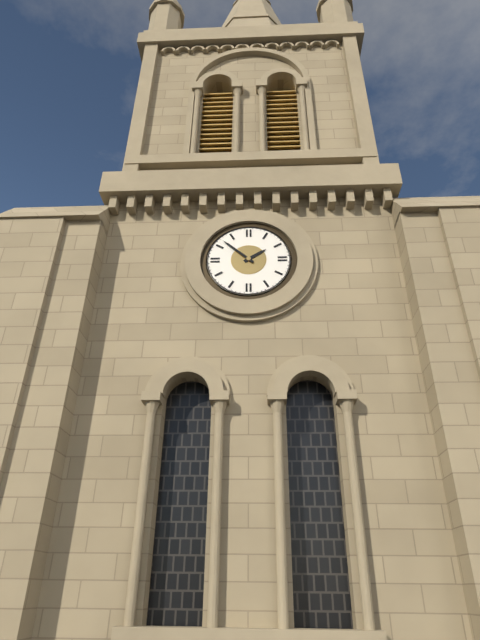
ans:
**1:52**
